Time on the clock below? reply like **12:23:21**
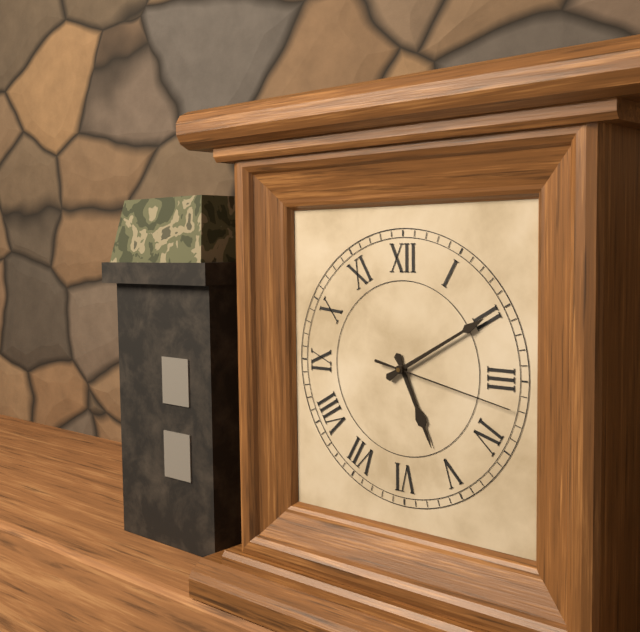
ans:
**5:10:17**
